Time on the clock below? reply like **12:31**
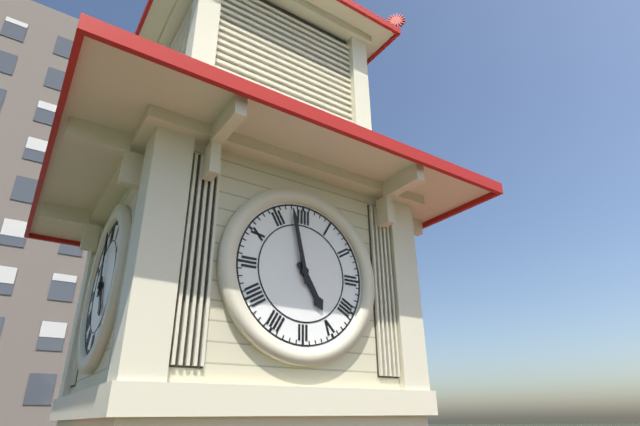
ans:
**4:58**
